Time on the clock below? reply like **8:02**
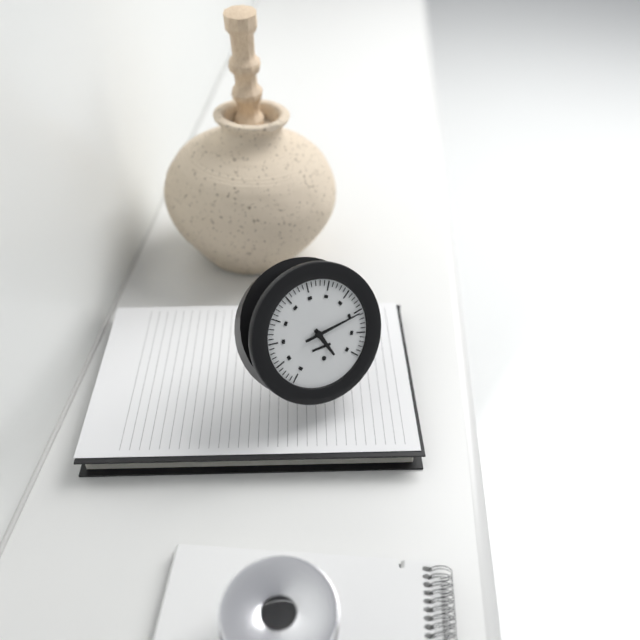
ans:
**5:14**
